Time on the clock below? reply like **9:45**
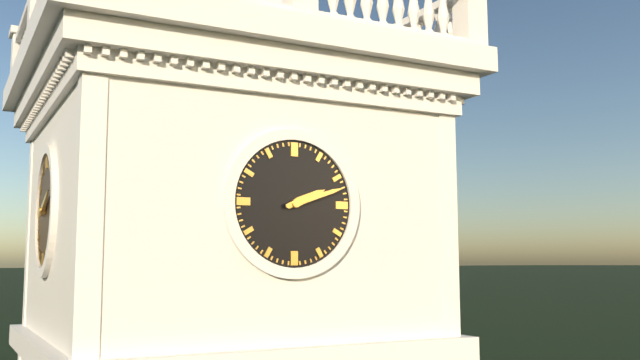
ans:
**2:12**
